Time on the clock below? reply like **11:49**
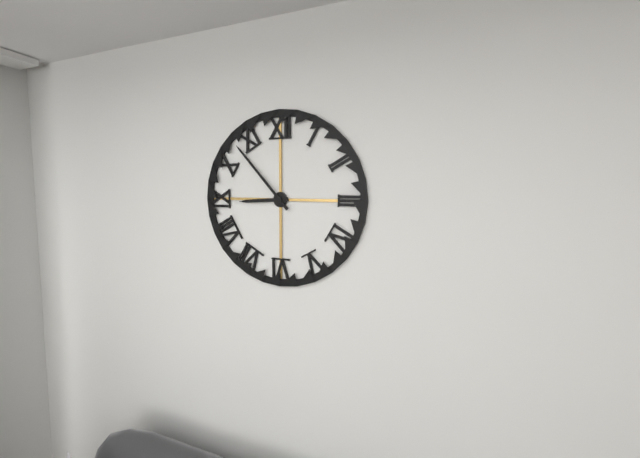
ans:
**8:53**
